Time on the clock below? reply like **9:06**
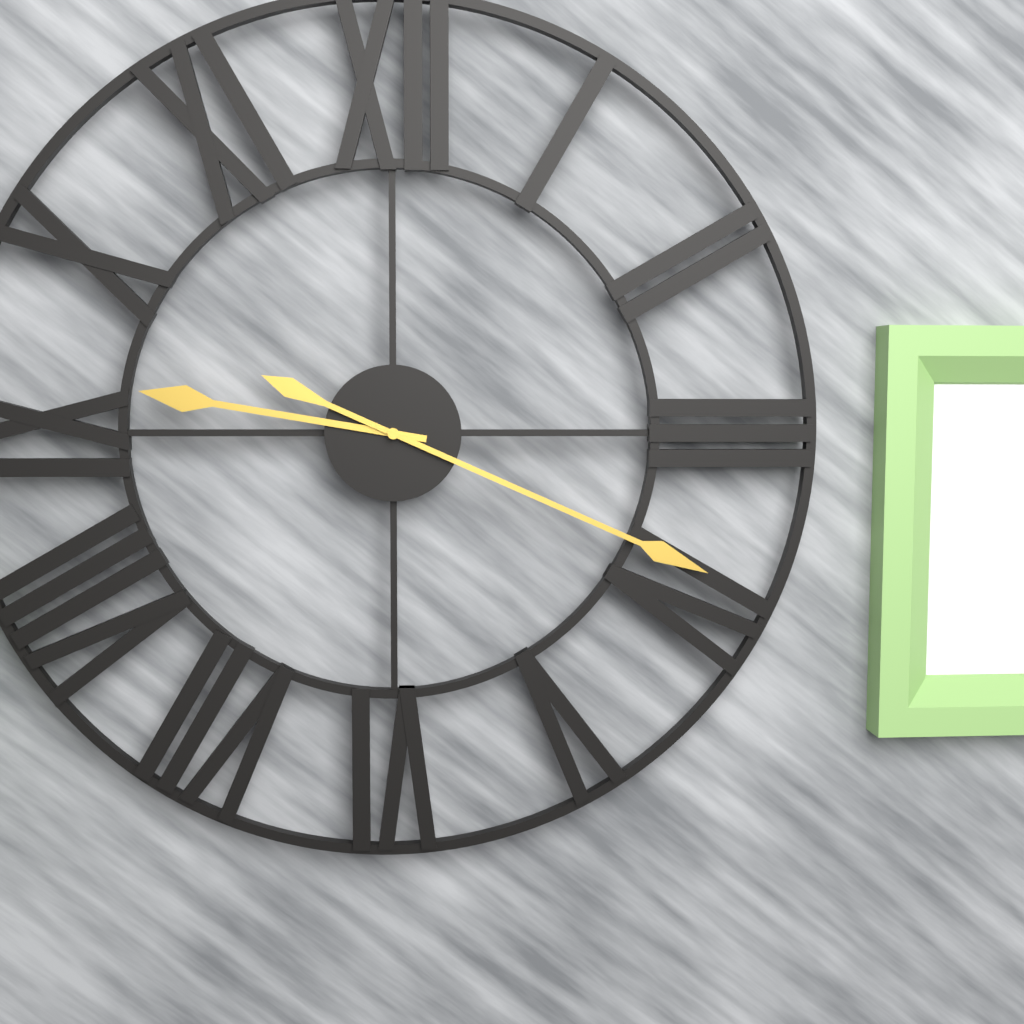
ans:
**9:19**
